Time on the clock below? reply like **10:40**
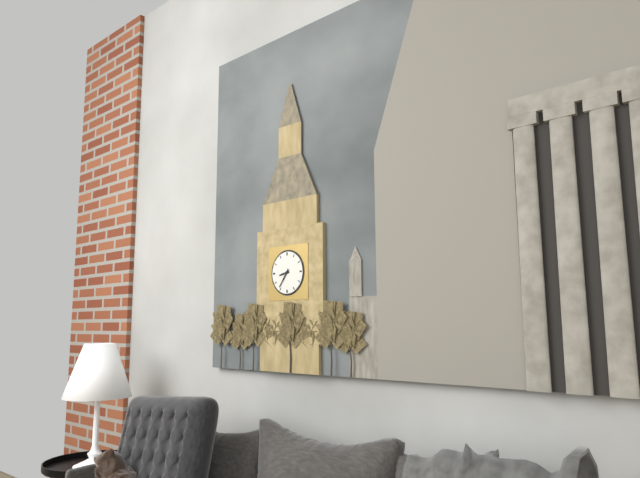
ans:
**8:36**
